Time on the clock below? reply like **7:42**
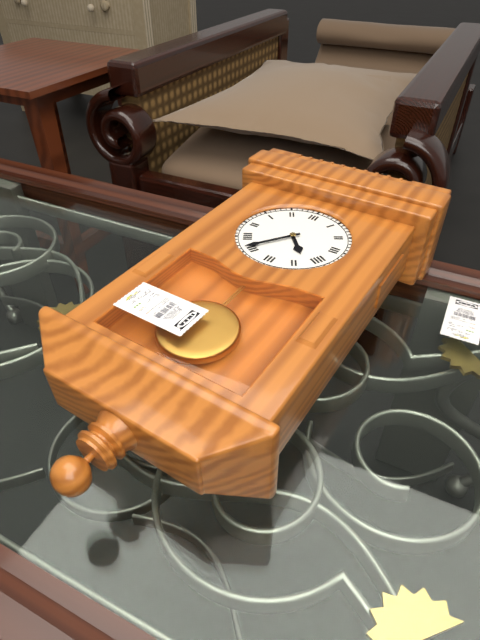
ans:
**4:36**
